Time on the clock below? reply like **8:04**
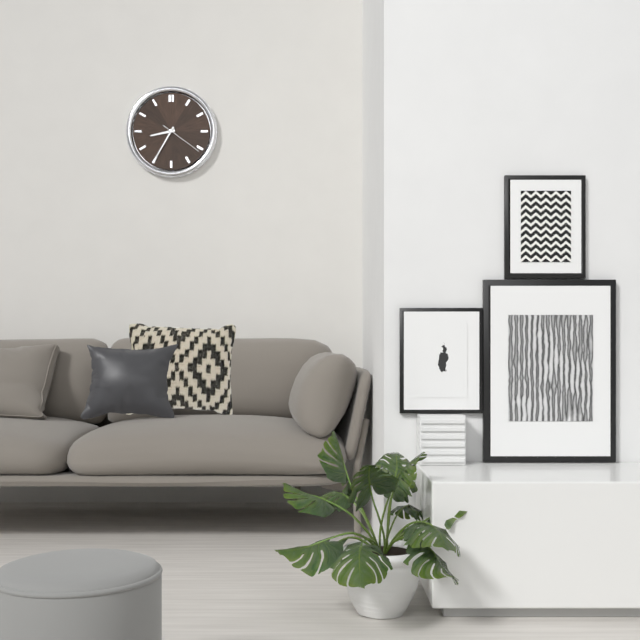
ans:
**8:35**
